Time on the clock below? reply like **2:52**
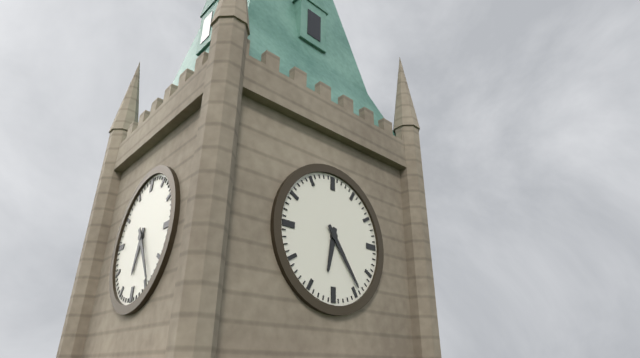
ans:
**6:24**
